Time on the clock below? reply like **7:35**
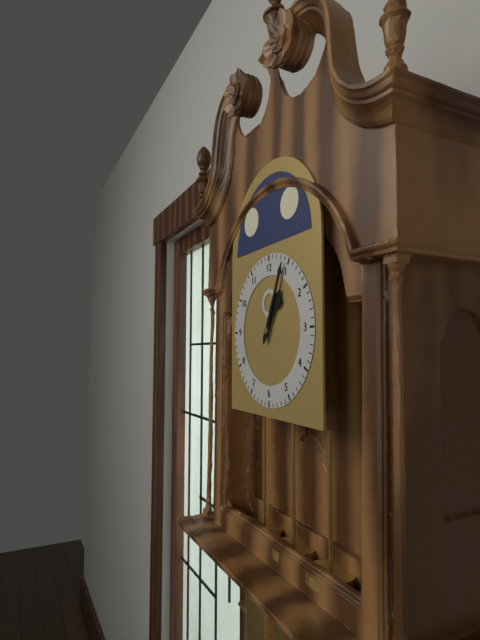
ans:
**1:04**
